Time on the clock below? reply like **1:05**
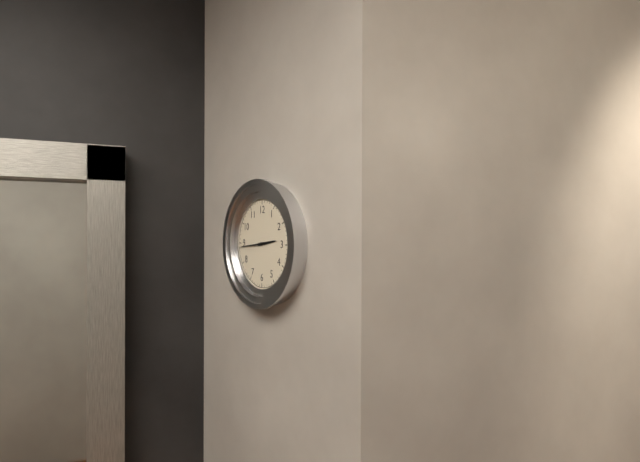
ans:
**2:44**
